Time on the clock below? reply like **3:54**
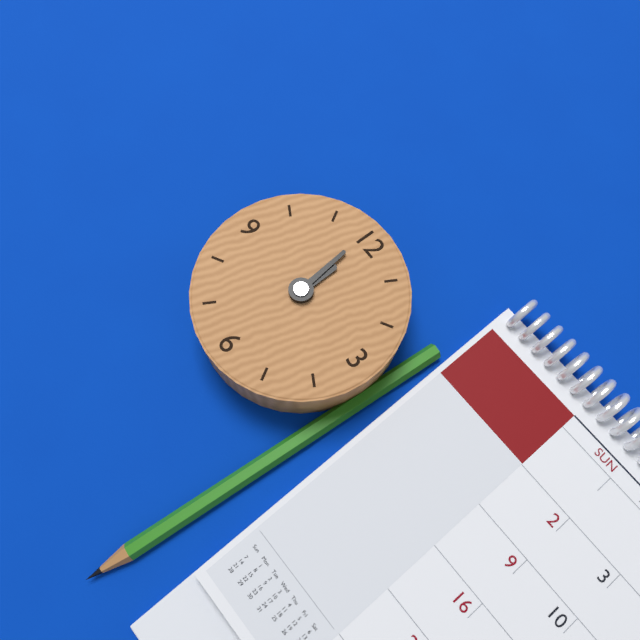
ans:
**11:59**
